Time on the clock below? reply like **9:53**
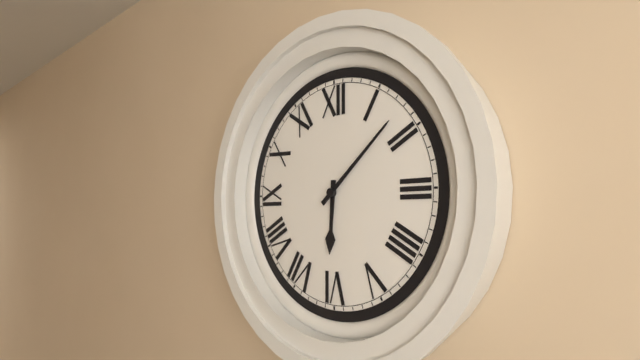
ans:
**6:08**
